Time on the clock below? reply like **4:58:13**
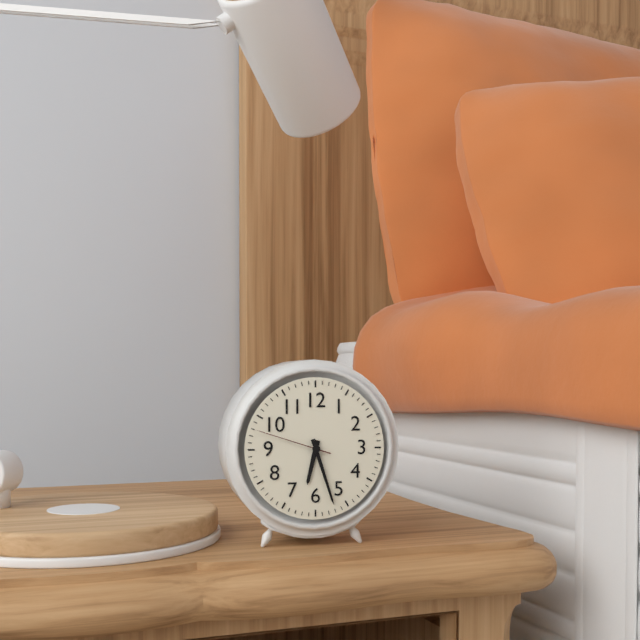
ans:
**6:27:48**
